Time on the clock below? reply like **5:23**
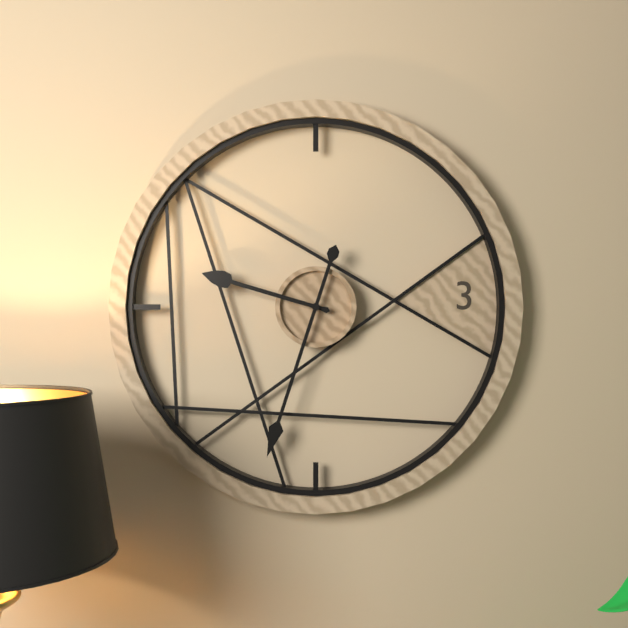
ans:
**9:33**
